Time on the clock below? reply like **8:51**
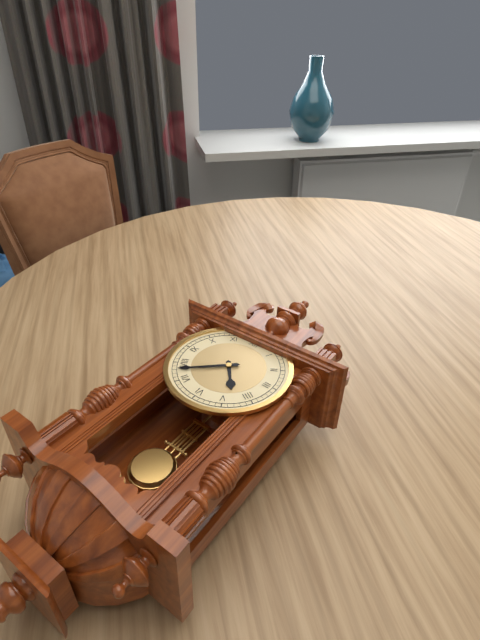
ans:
**4:38**
